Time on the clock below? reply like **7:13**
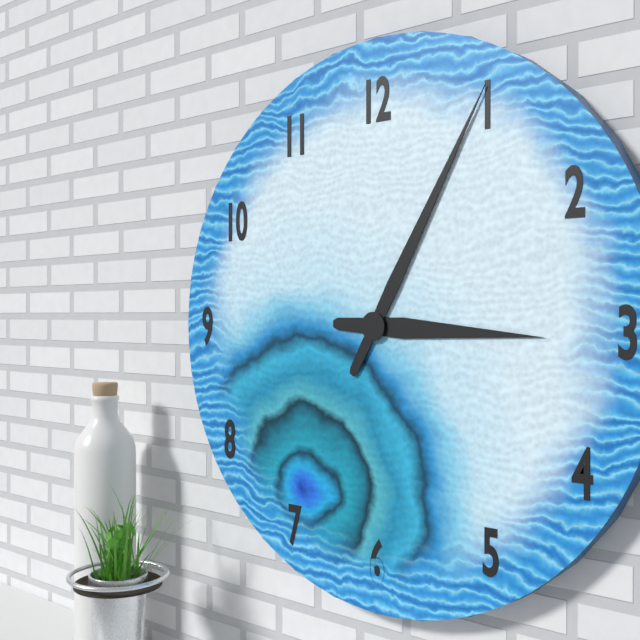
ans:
**3:05**
